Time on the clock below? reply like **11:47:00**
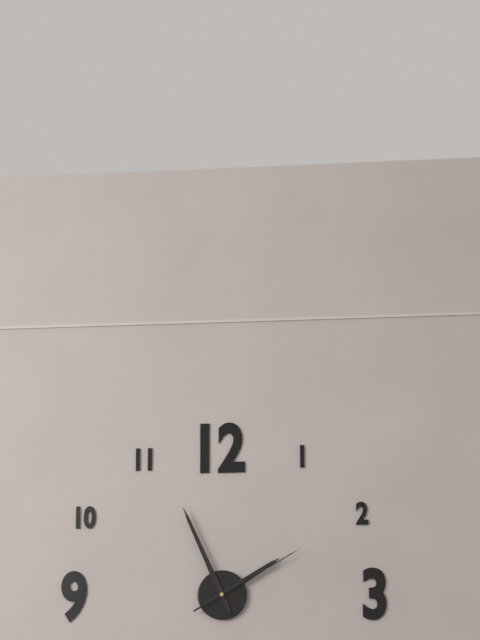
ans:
**1:56:10**
